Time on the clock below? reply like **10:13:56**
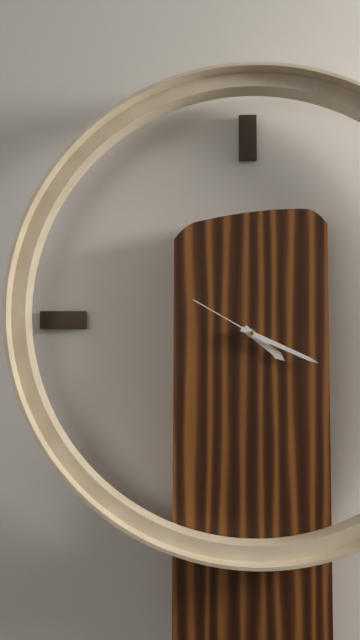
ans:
**4:19:50**
